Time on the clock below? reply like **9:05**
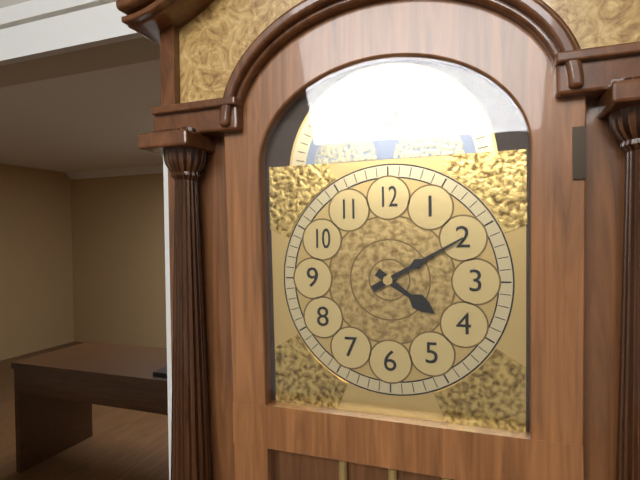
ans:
**4:10**
